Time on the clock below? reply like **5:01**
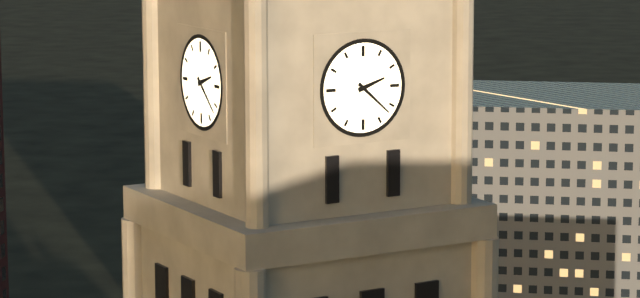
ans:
**2:22**
